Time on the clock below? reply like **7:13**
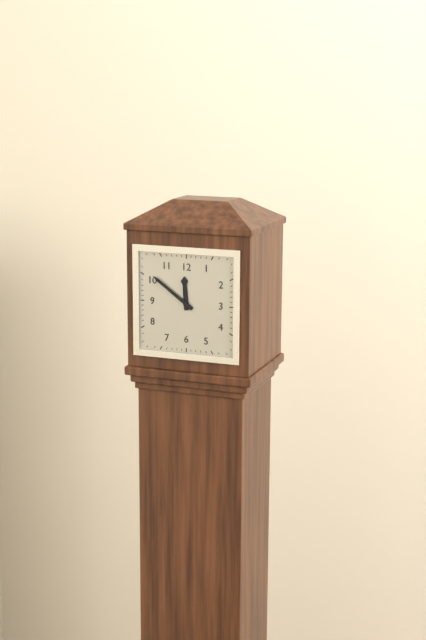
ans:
**11:51**
